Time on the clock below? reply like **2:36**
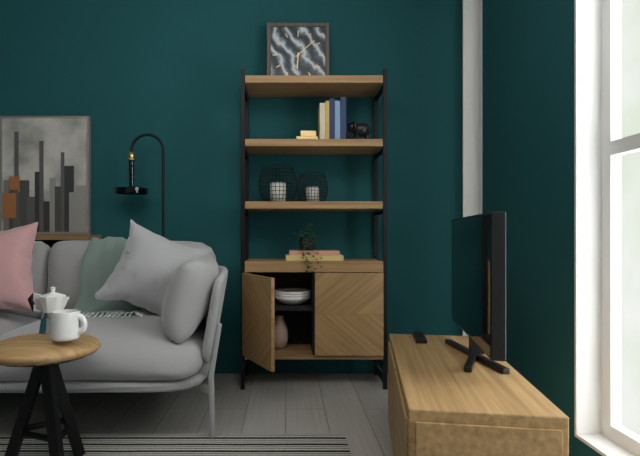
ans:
**6:08**
